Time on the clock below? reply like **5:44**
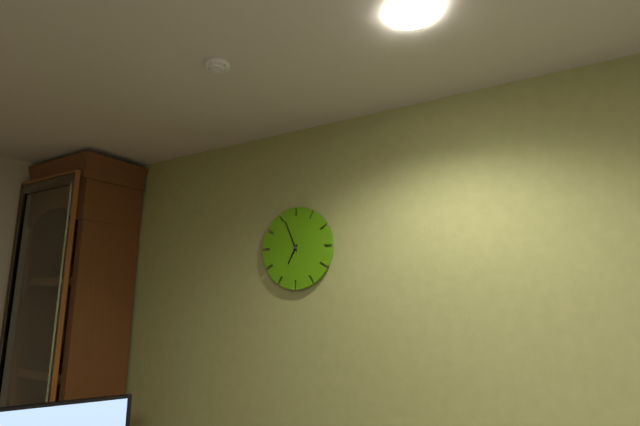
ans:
**6:56**
